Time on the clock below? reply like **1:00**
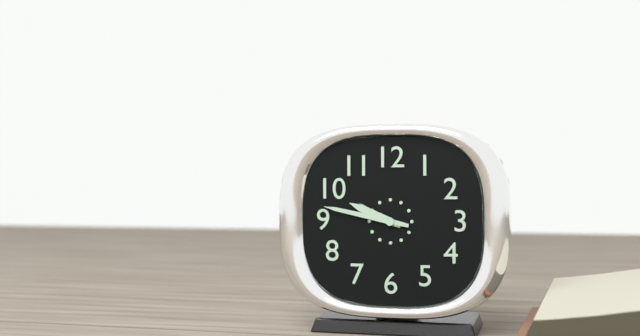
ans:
**9:47**
